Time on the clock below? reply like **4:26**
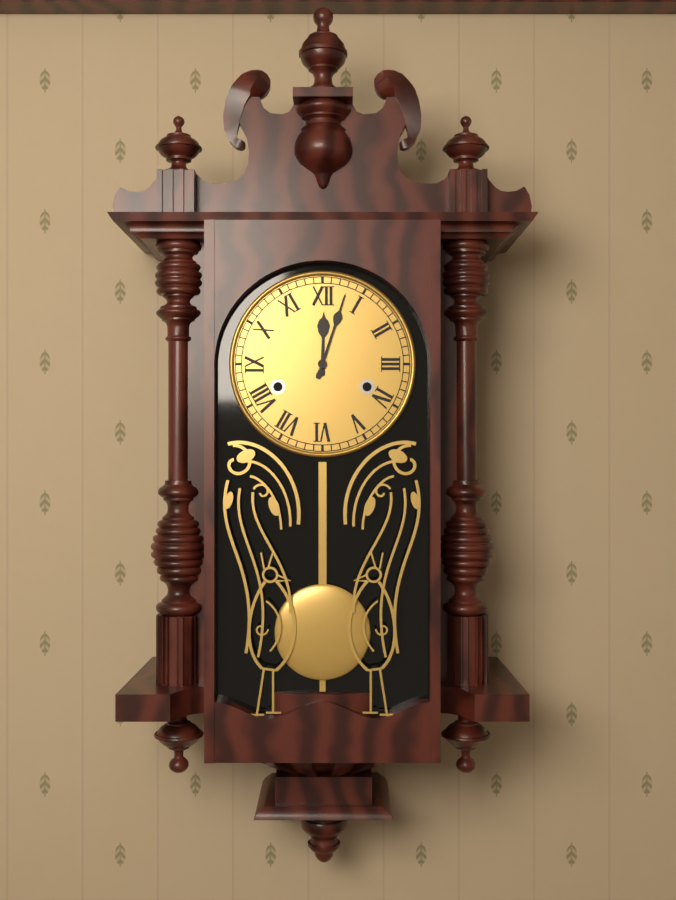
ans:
**12:03**
